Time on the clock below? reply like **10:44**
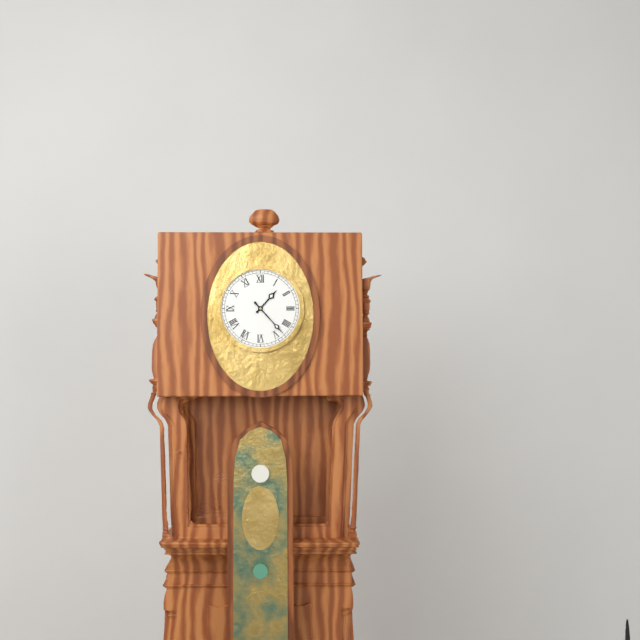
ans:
**1:23**
